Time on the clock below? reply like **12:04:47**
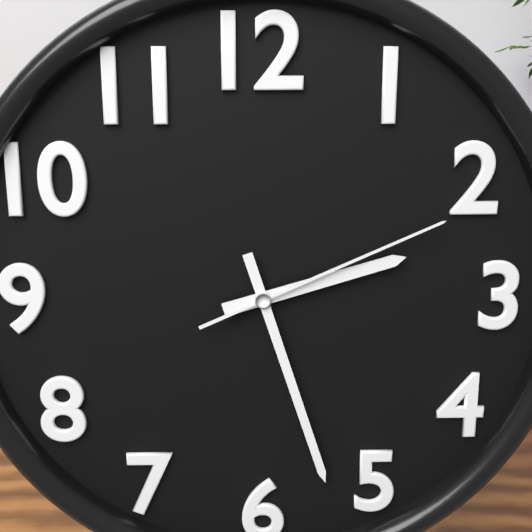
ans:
**2:27:11**
